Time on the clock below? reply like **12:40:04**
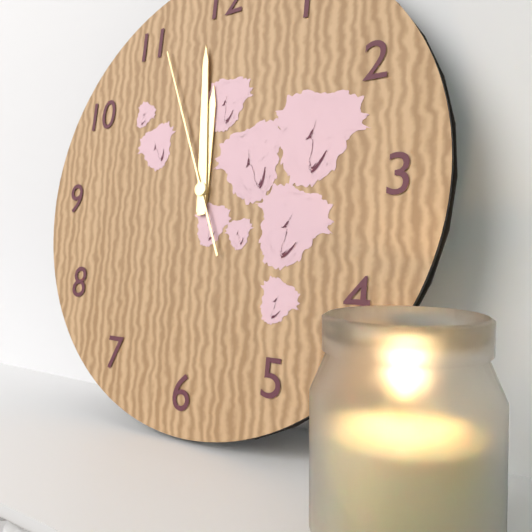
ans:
**11:59:56**
